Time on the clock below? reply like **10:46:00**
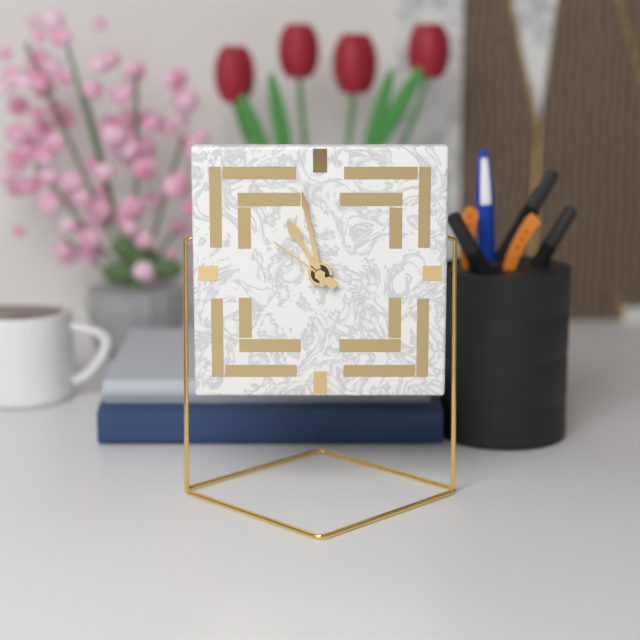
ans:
**10:58:51**
